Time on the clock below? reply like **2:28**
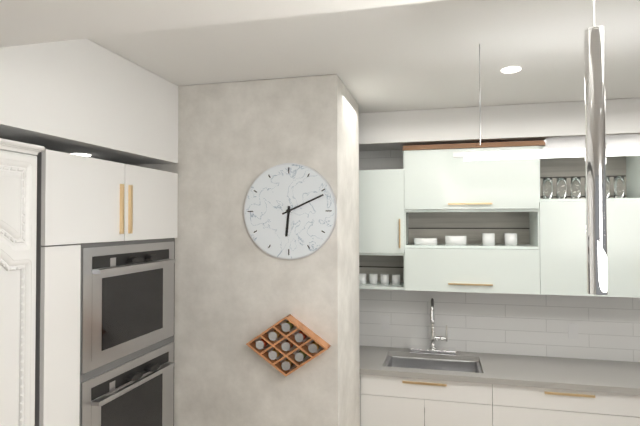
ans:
**6:11**
